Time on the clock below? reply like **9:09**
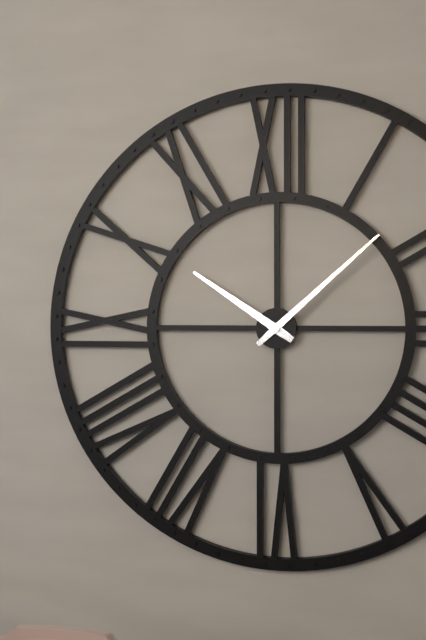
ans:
**10:08**
